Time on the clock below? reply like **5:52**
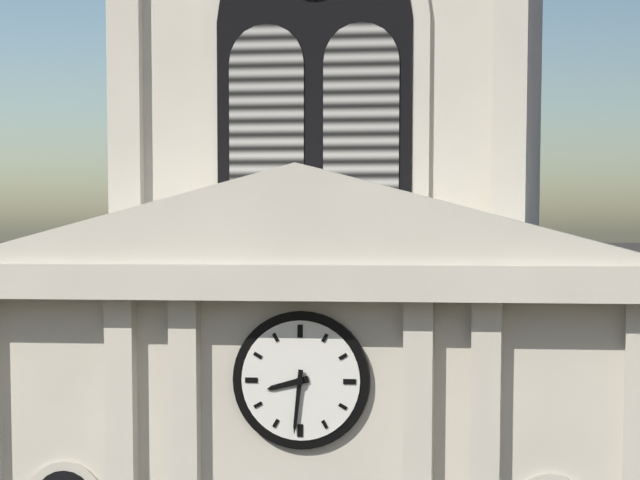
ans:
**8:31**
